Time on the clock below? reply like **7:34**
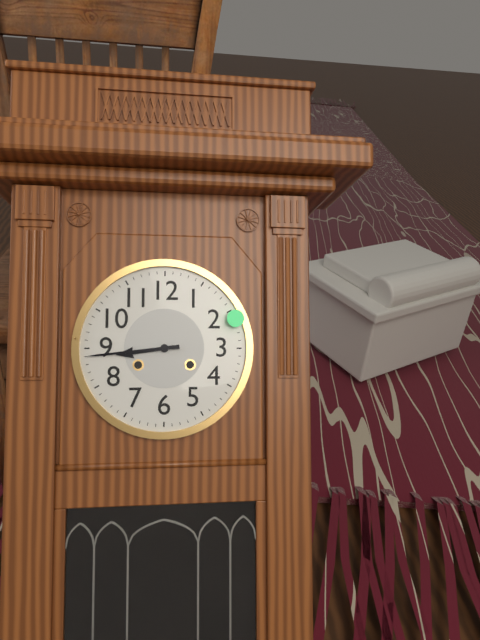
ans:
**8:44**
